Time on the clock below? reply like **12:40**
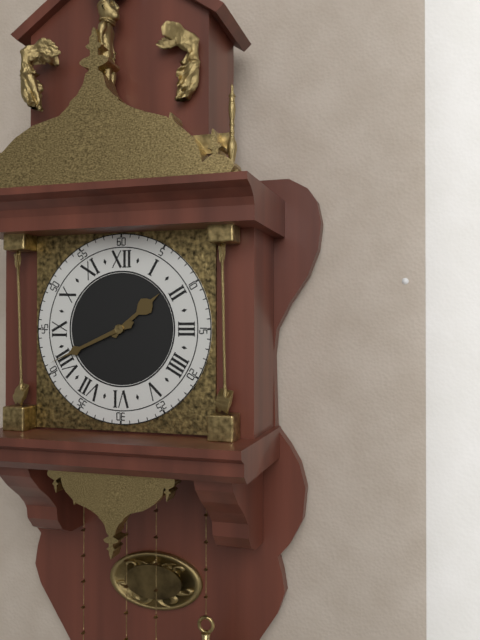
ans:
**1:41**
